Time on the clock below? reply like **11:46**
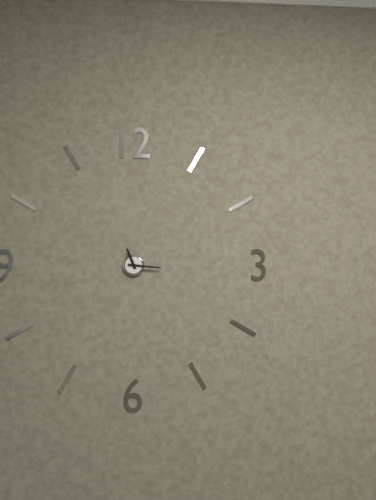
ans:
**11:16**
